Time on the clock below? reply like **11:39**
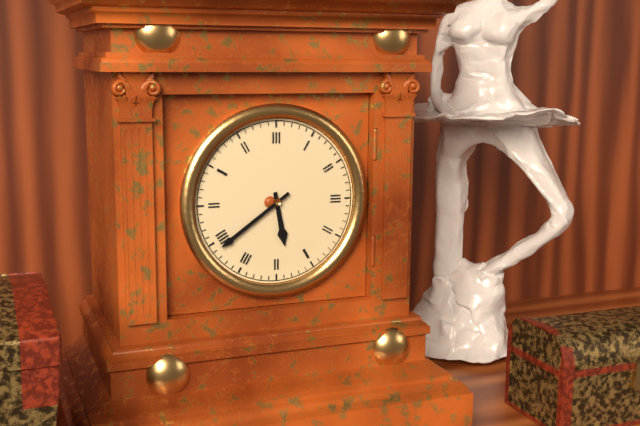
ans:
**5:39**
